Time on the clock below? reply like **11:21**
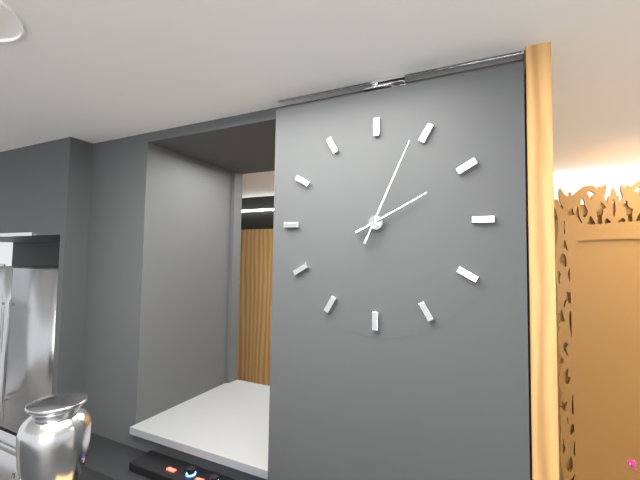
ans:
**2:04**
